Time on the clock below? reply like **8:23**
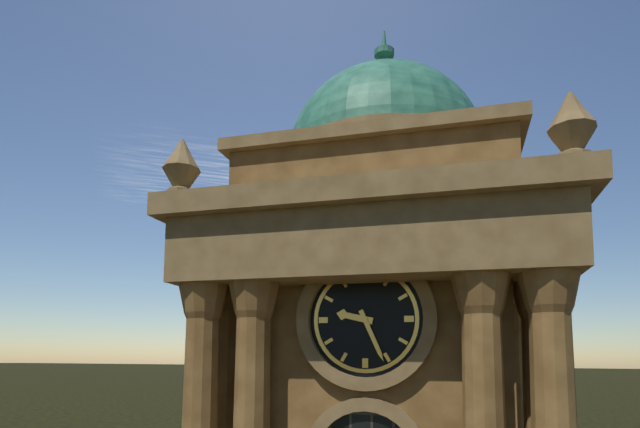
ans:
**9:26**
